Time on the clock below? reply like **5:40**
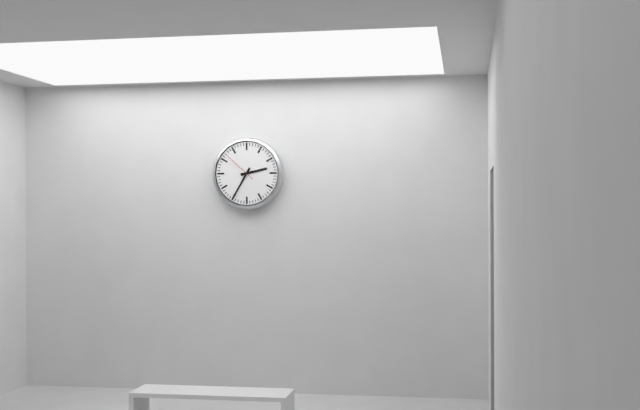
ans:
**2:35**
